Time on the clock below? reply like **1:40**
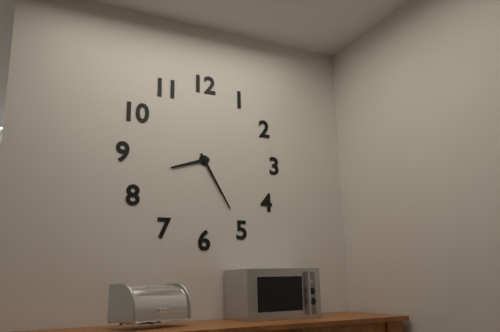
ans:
**8:25**
